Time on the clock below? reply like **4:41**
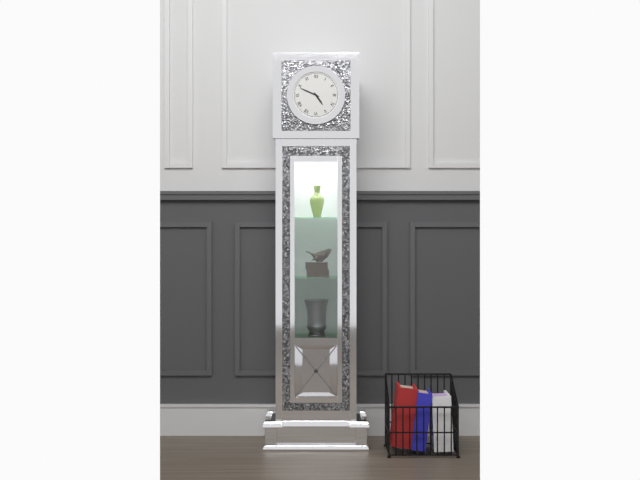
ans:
**4:49**
